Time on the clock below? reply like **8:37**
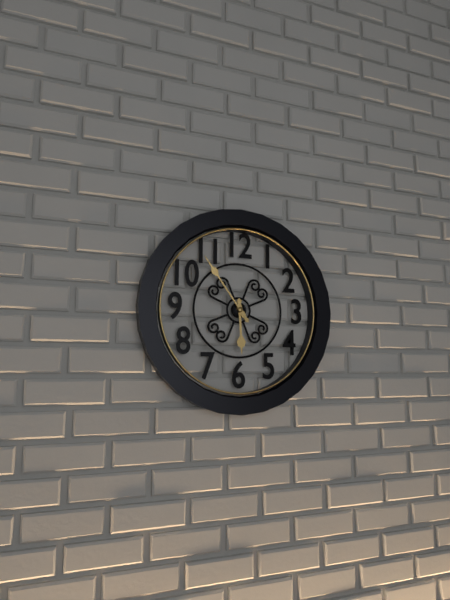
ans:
**5:54**
